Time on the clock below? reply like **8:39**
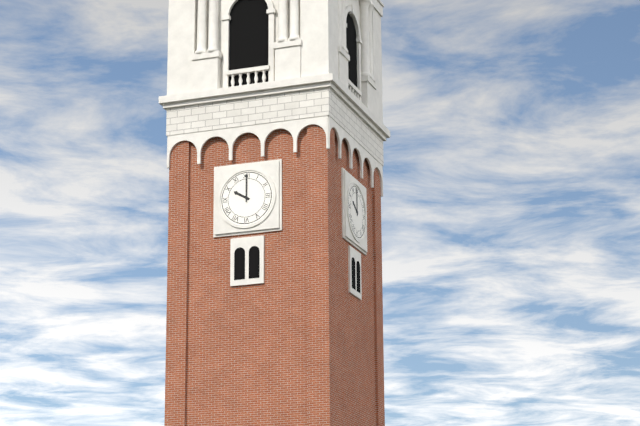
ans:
**10:00**
